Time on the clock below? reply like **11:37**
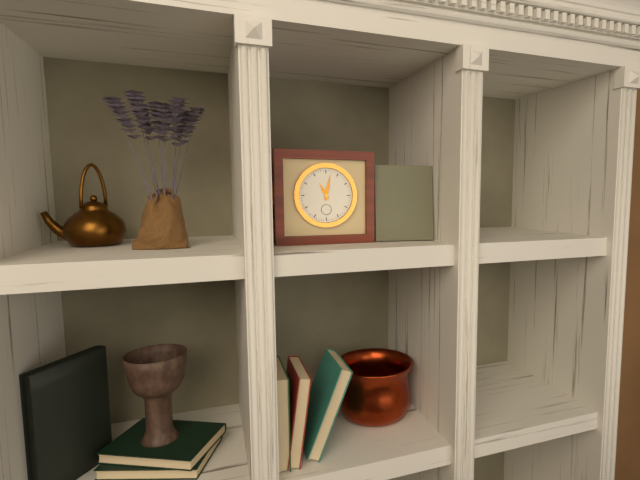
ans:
**11:02**
